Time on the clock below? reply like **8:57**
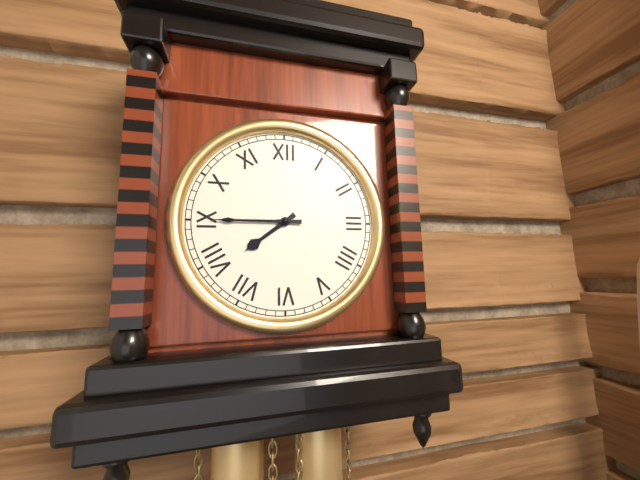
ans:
**7:45**
